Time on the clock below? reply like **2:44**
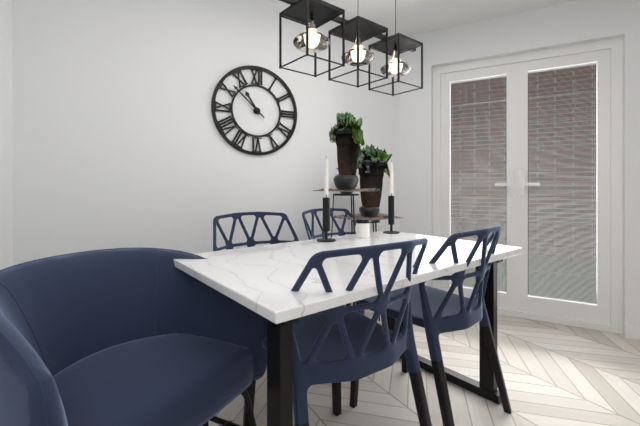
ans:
**10:52**
